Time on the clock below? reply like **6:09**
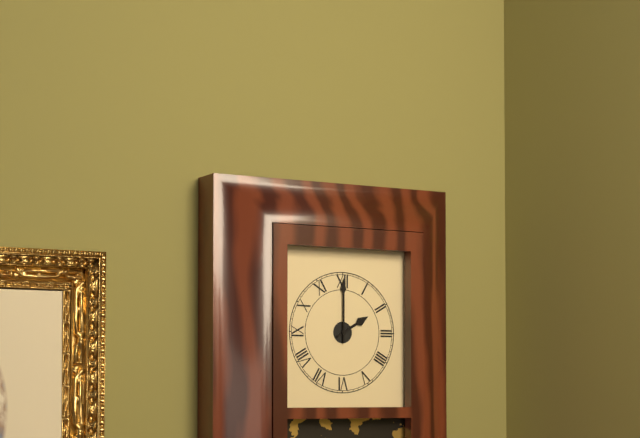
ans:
**2:00**
